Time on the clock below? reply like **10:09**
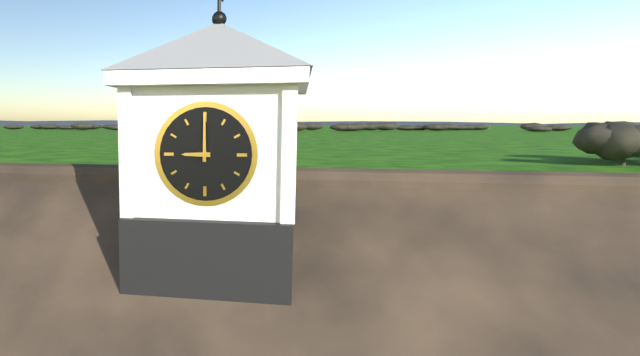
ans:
**9:00**
